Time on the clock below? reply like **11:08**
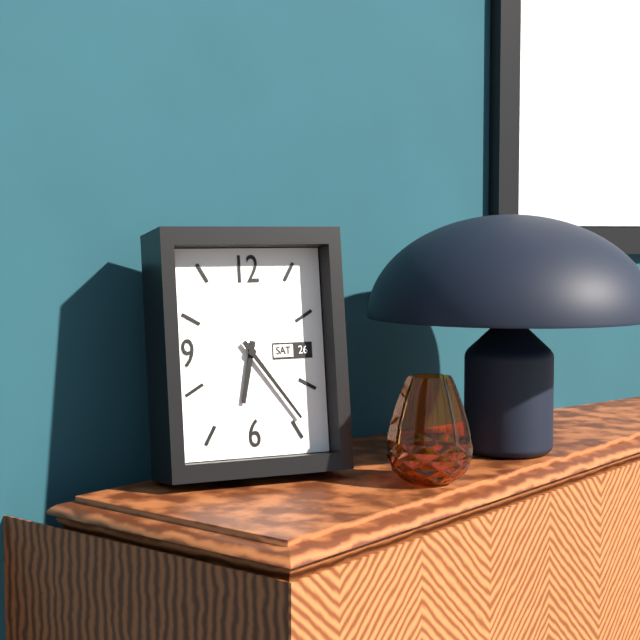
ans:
**6:24**
